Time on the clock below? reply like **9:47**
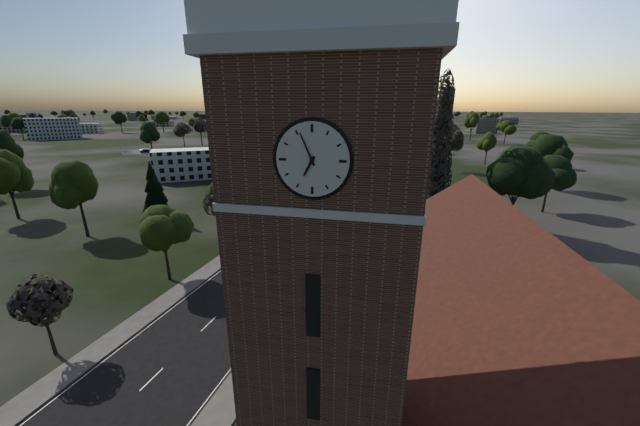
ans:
**6:56**
